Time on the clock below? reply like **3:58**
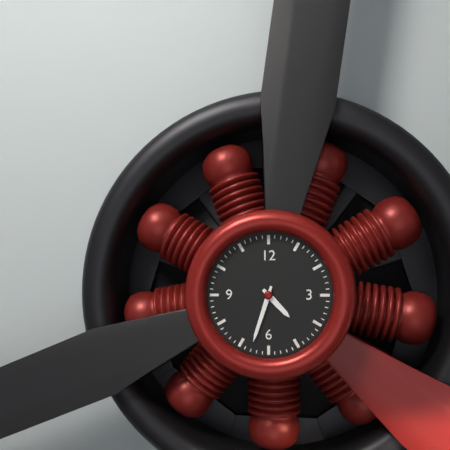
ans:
**4:33**
